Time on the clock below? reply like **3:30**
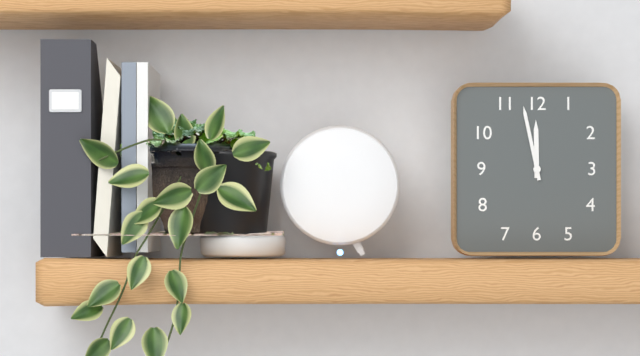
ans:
**11:58**
